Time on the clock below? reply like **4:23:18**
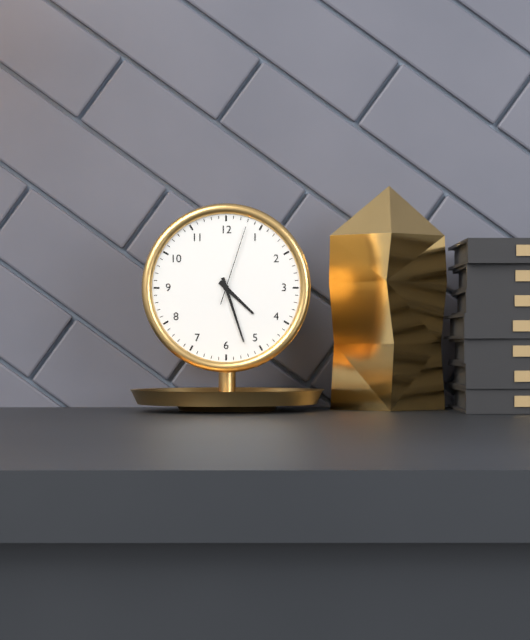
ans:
**4:27:03**
